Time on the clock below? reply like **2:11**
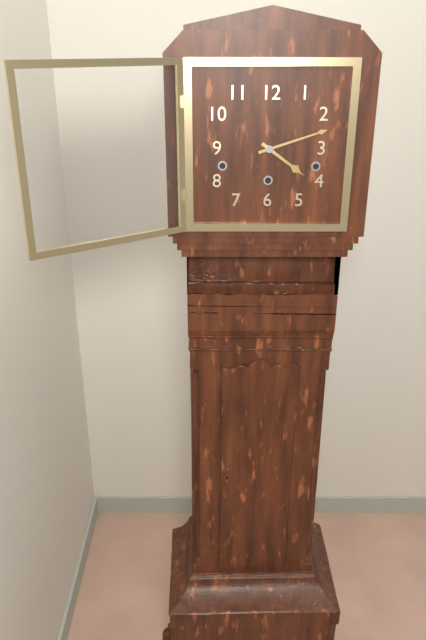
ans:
**4:12**
